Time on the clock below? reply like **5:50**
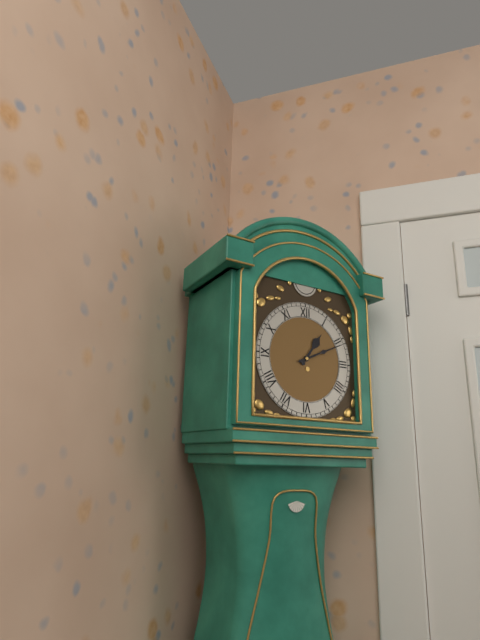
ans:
**1:11**
